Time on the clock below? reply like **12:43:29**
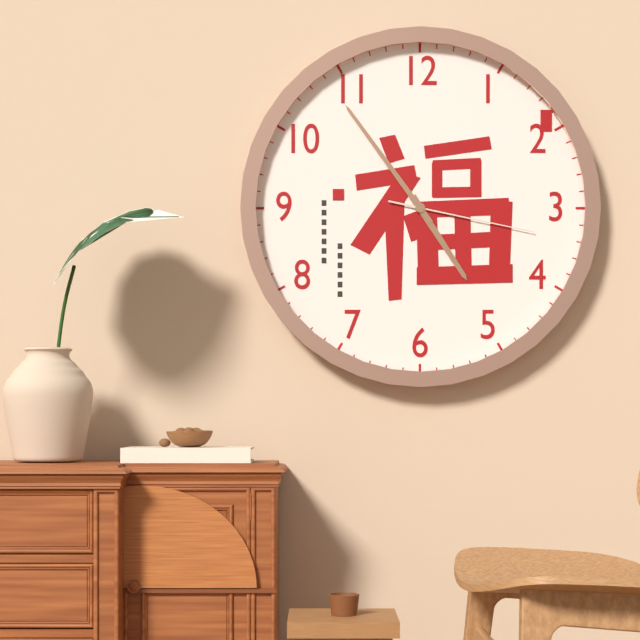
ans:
**4:54:17**
